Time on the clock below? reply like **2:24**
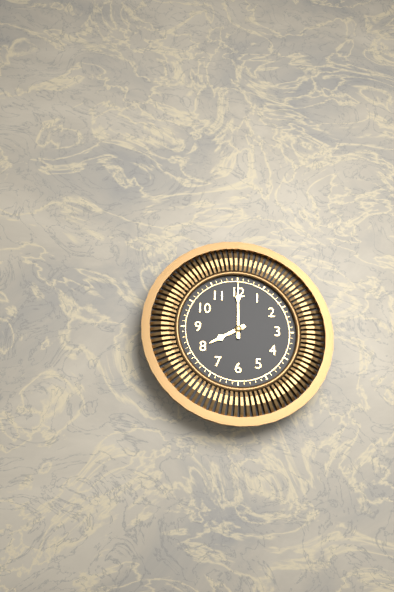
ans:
**8:00**
